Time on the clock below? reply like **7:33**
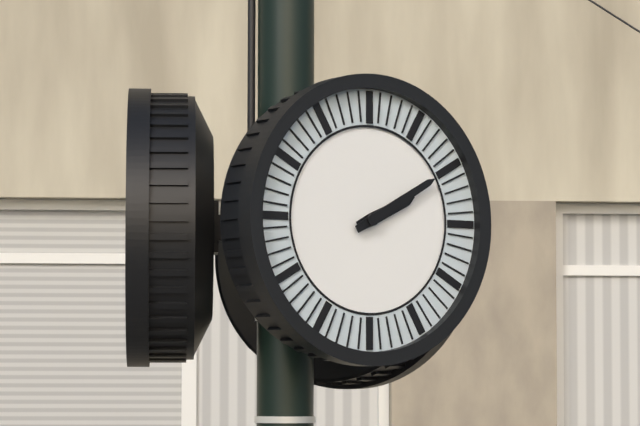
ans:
**2:10**
